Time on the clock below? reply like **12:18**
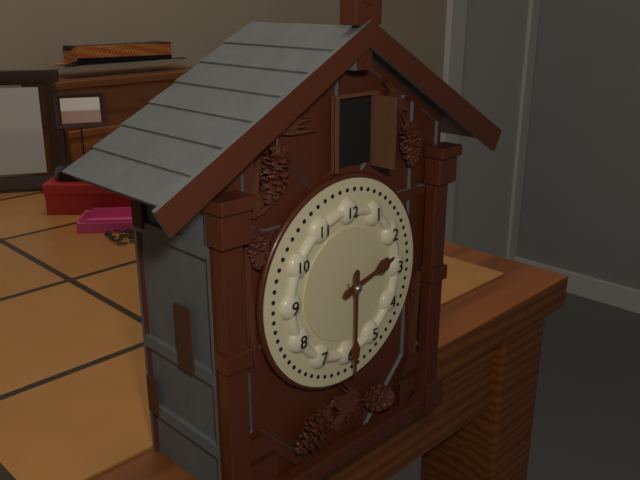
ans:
**2:30**
